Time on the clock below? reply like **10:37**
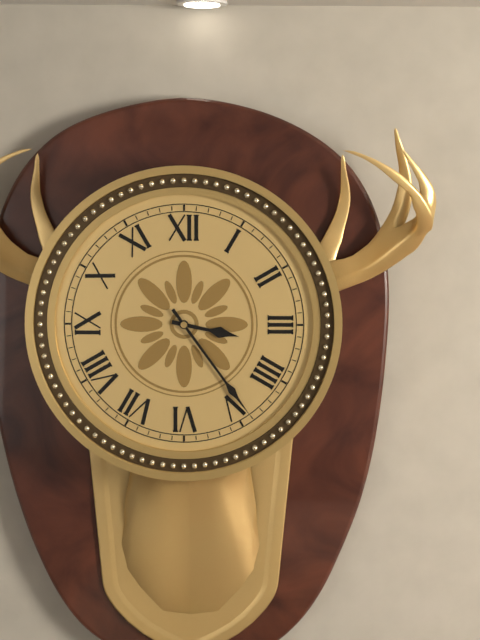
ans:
**3:24**
